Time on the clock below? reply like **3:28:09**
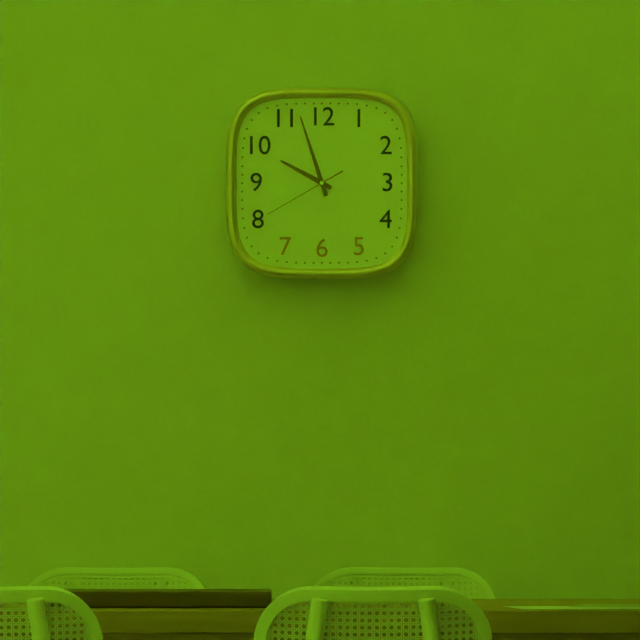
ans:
**9:57:40**
